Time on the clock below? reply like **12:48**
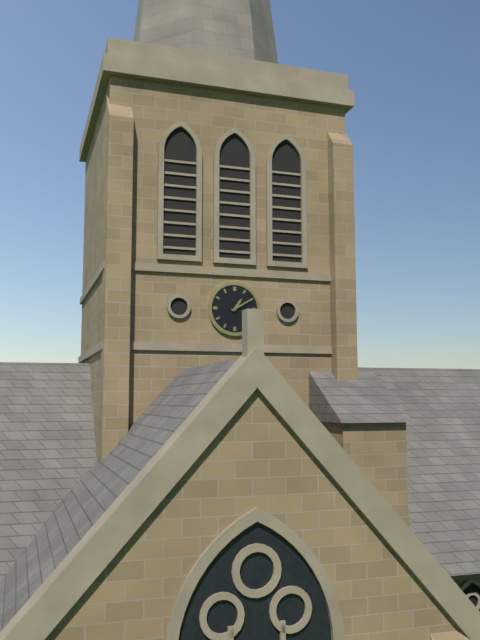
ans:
**1:10**
